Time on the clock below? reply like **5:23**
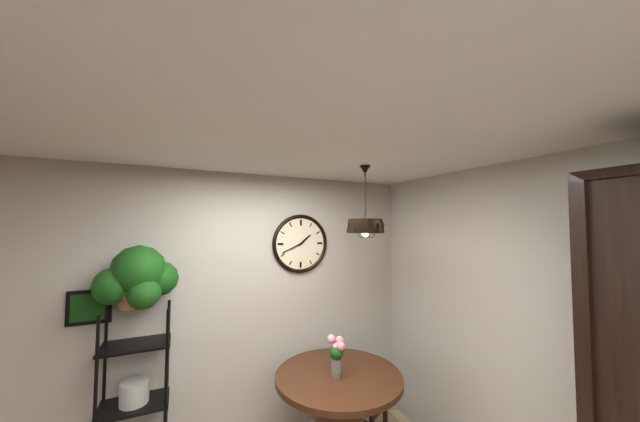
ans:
**1:41**
